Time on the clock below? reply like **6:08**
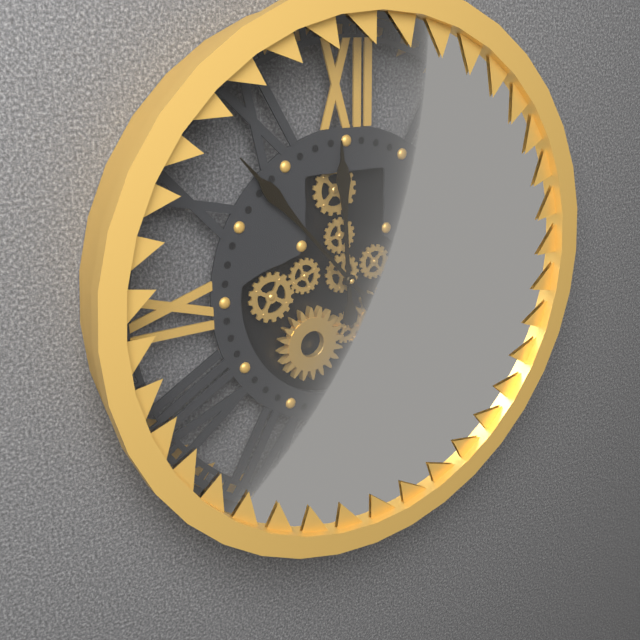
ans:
**11:53**
